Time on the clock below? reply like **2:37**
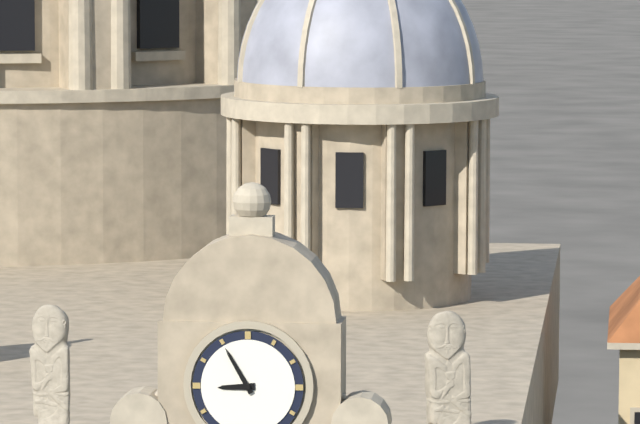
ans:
**8:55**
